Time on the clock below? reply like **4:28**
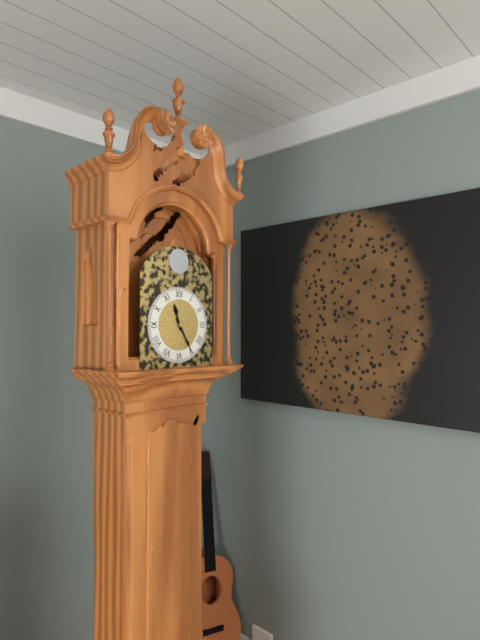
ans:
**11:25**
